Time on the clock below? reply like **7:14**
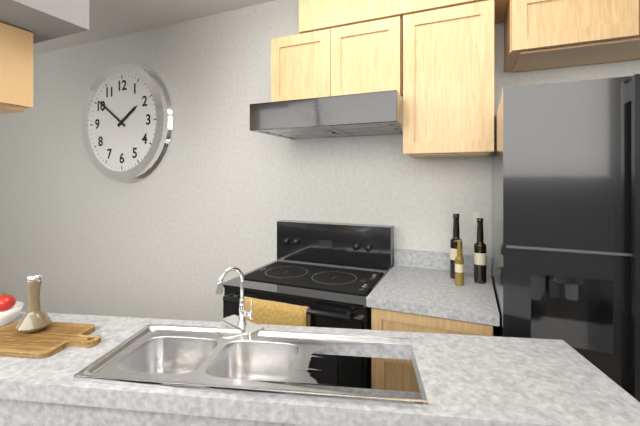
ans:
**1:51**
